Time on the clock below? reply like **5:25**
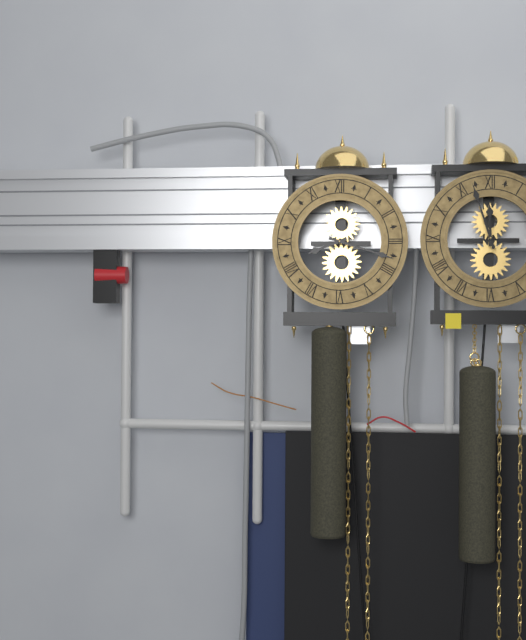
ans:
**8:18**
